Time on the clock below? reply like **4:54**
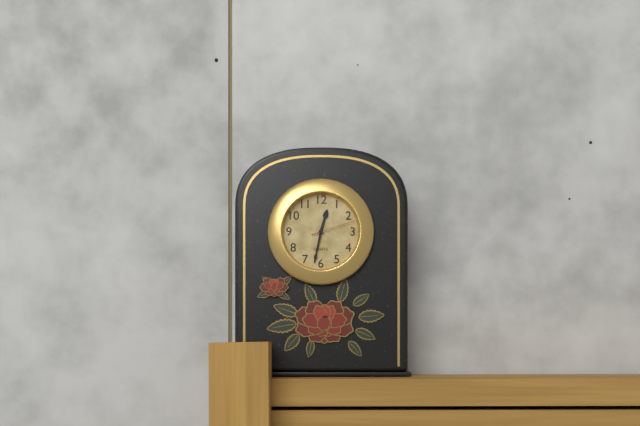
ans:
**12:32**
